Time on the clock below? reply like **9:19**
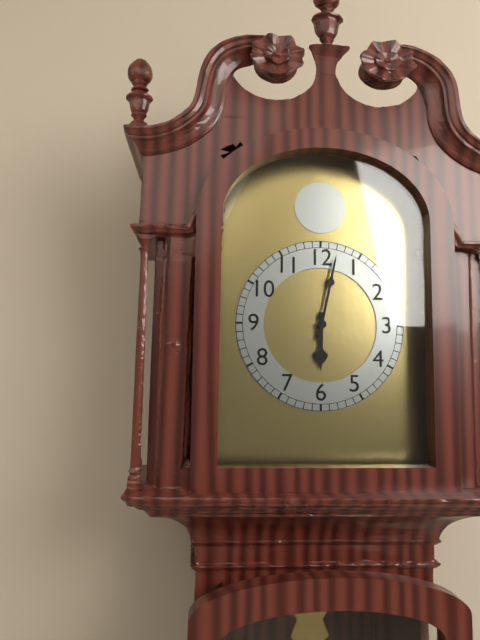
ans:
**6:02**
